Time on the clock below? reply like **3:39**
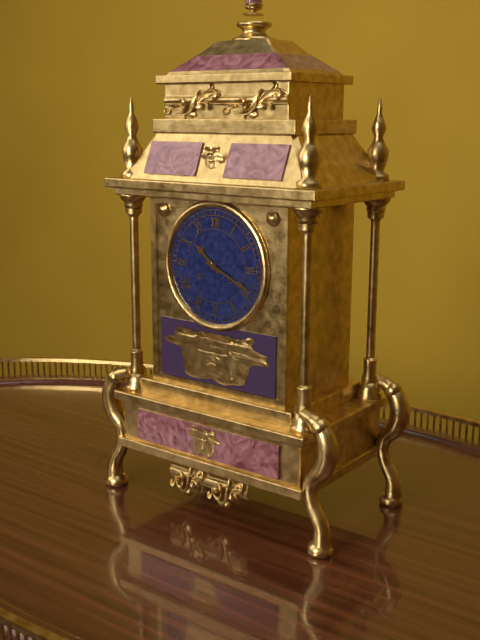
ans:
**10:19**
